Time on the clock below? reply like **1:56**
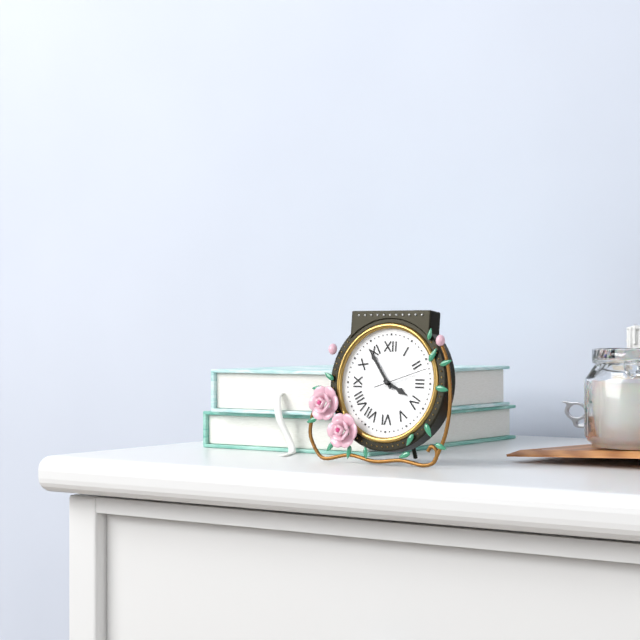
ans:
**3:54**
